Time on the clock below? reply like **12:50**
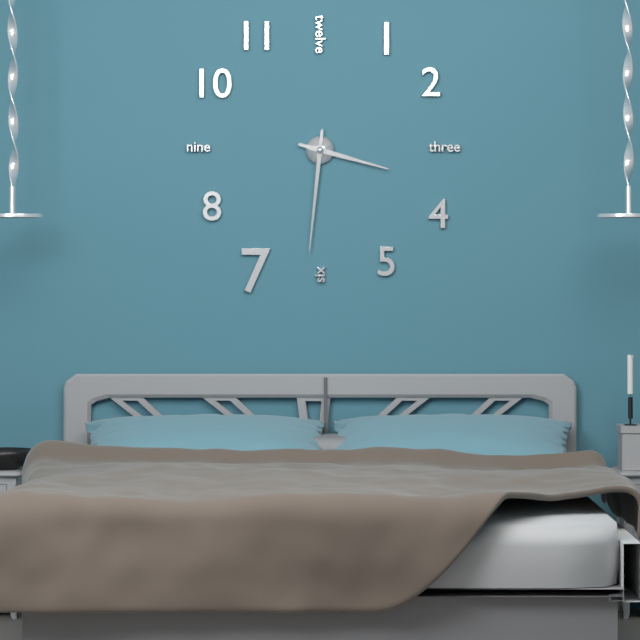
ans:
**3:31**
